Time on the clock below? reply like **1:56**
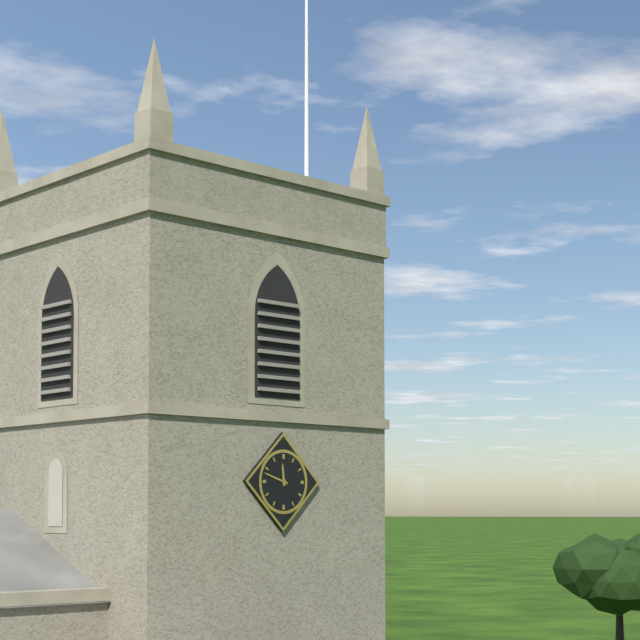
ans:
**11:48**
